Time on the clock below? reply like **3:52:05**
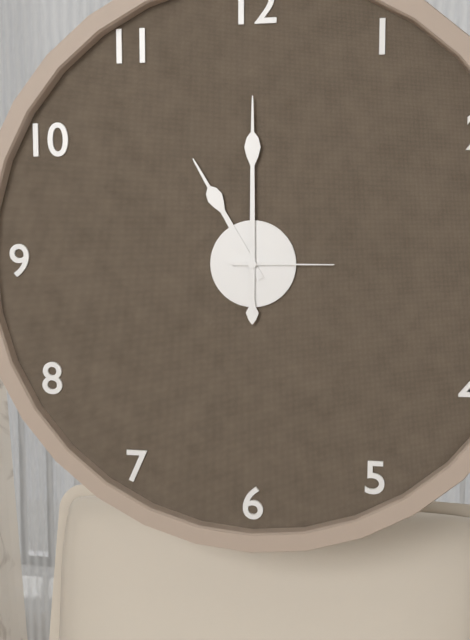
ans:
**11:00:15**
